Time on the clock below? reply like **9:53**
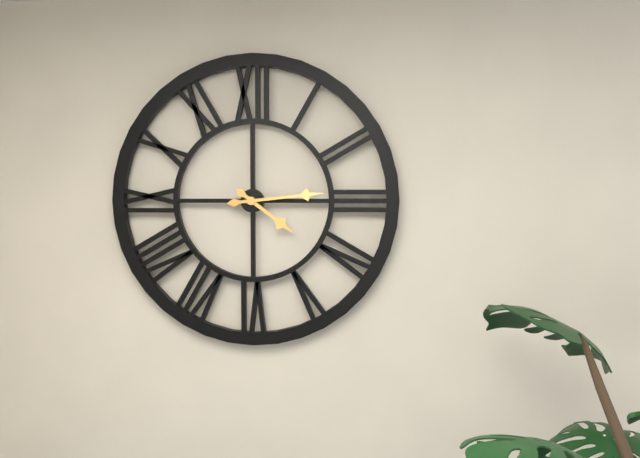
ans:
**4:14**
